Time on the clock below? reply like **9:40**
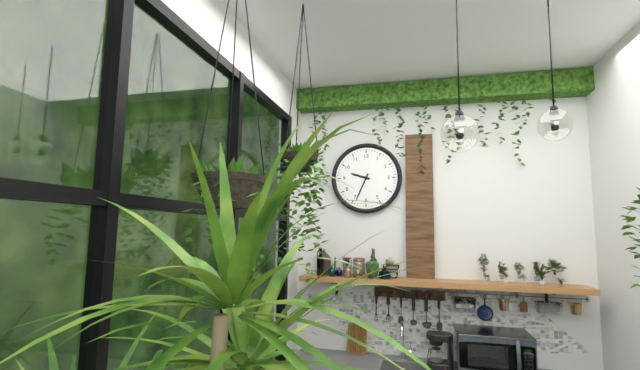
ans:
**9:34**
